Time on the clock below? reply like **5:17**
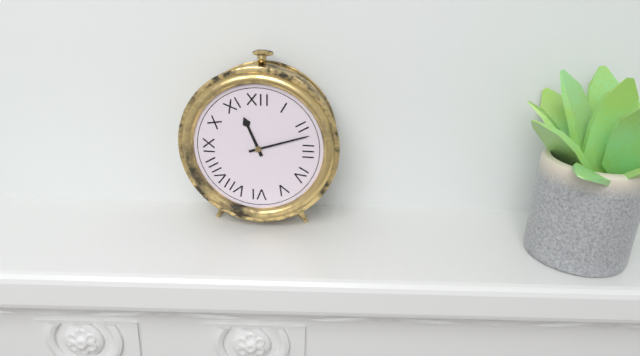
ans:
**11:12**
